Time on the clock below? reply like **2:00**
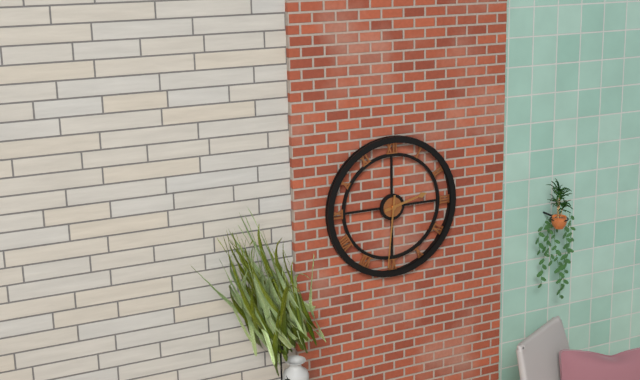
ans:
**2:31**
